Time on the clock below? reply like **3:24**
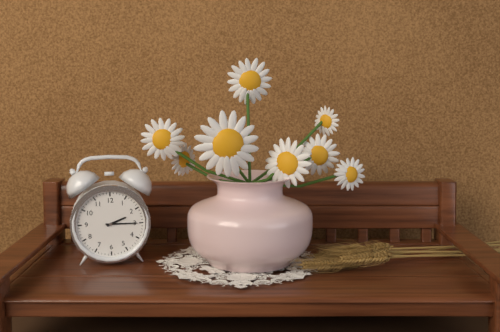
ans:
**2:15**
